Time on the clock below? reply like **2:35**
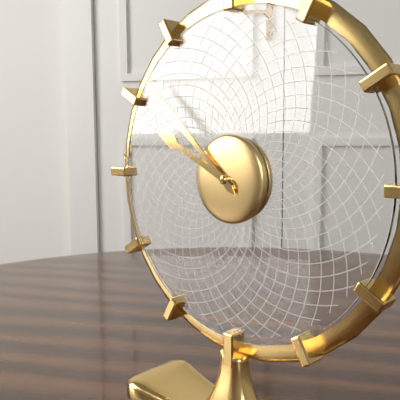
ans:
**9:52**
